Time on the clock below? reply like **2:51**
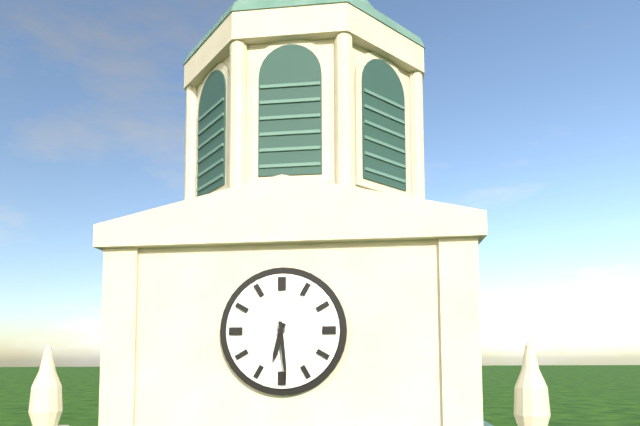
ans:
**6:29**
